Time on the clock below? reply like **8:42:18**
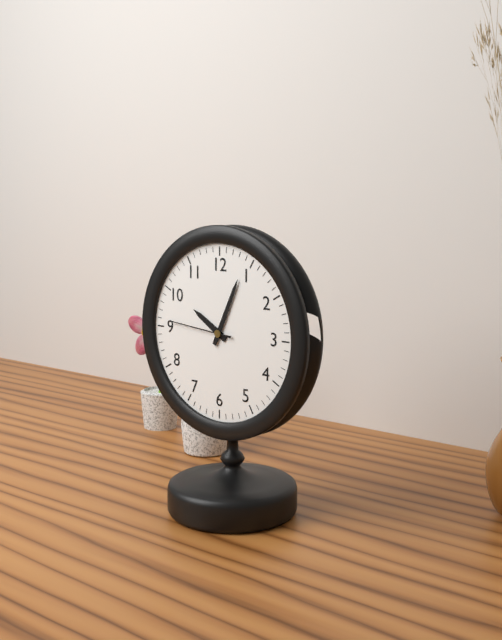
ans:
**10:04:46**
